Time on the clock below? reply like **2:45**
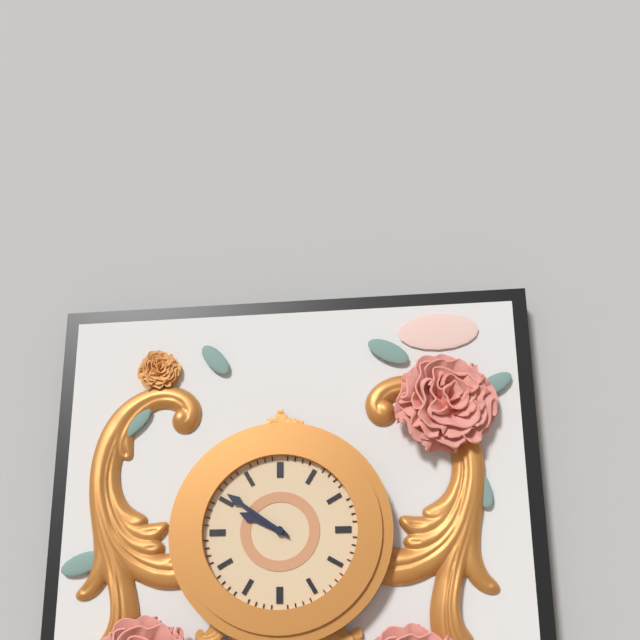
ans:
**9:51**
